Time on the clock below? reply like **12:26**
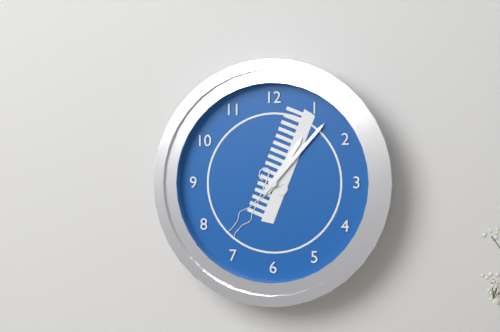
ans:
**1:07**
